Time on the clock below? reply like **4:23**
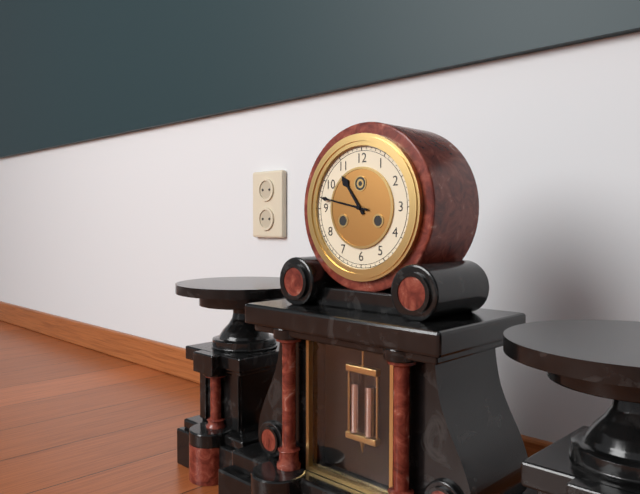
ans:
**10:47**
